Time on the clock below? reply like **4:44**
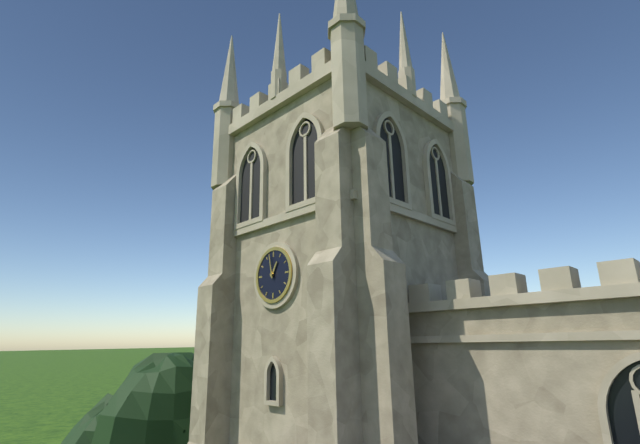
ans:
**12:58**
